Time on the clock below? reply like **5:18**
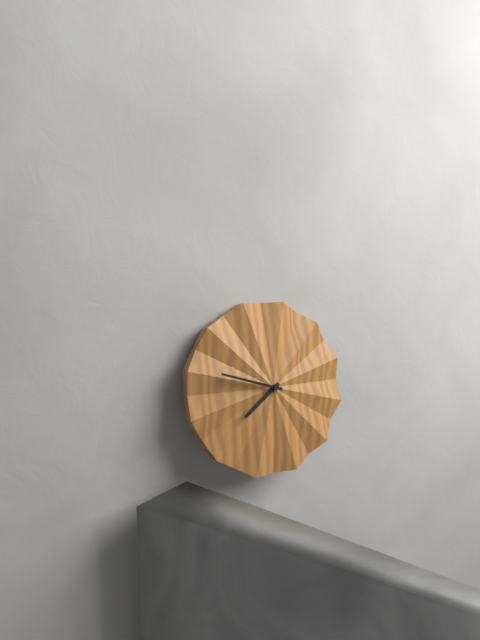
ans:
**7:48**
